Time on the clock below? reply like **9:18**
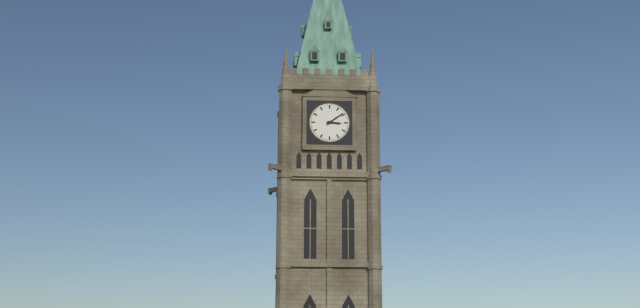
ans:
**3:09**
